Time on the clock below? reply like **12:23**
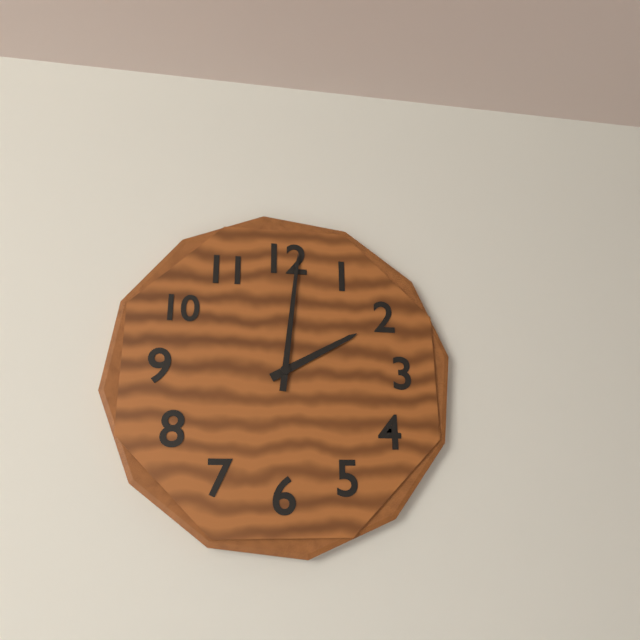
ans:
**2:01**
